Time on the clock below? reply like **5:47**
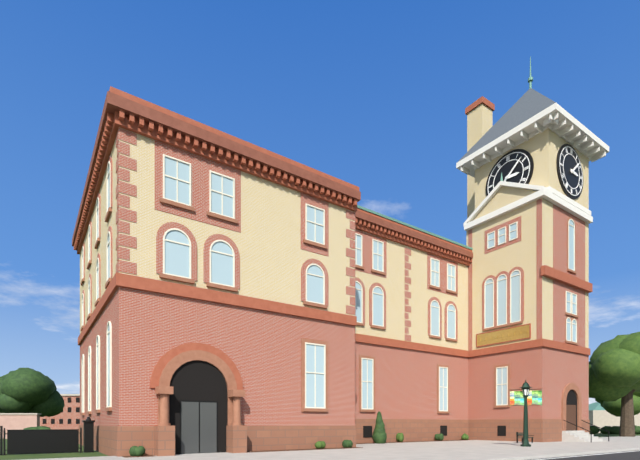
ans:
**3:08**
